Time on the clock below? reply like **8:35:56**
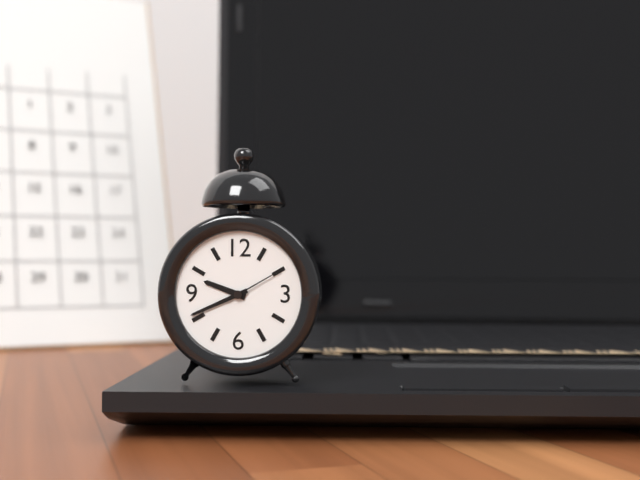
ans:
**9:41:10**
